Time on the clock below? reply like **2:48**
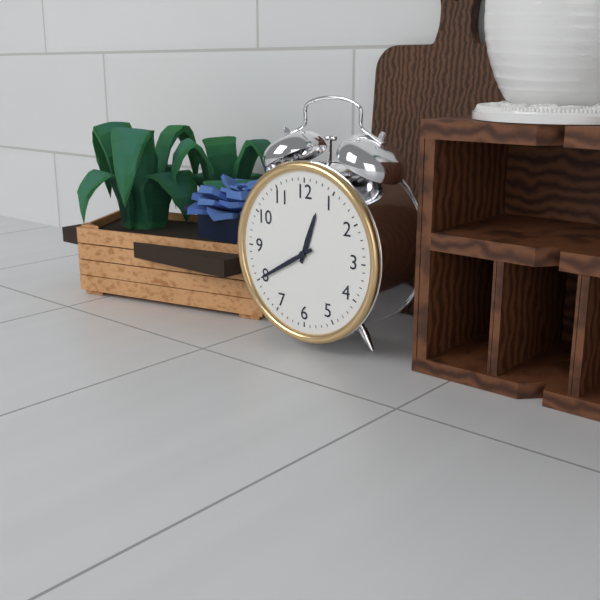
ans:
**12:40**
